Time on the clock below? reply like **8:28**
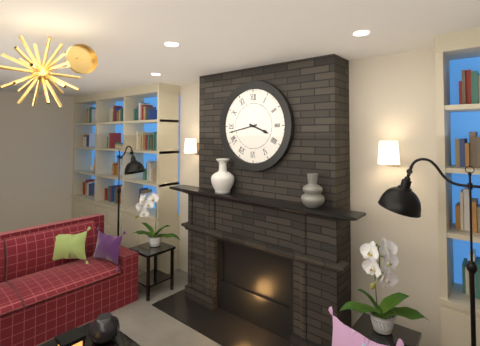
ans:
**3:43**
